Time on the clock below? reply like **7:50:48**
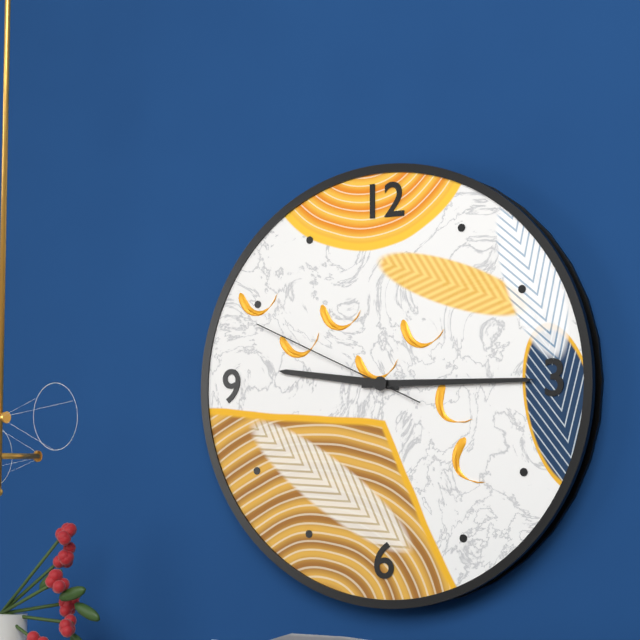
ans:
**9:15:49**
